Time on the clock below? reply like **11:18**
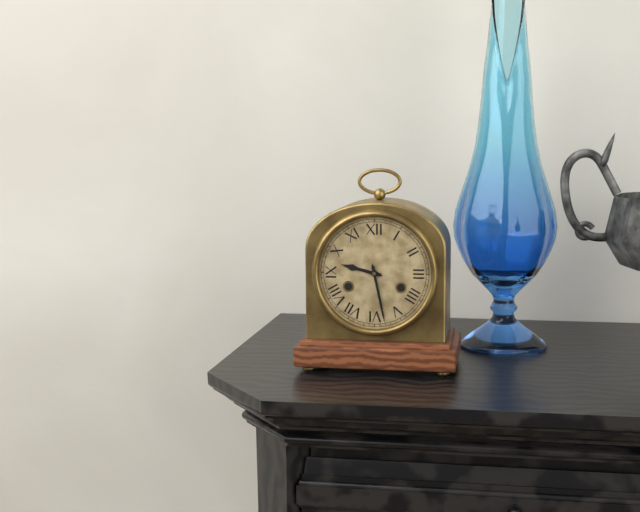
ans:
**9:28**
